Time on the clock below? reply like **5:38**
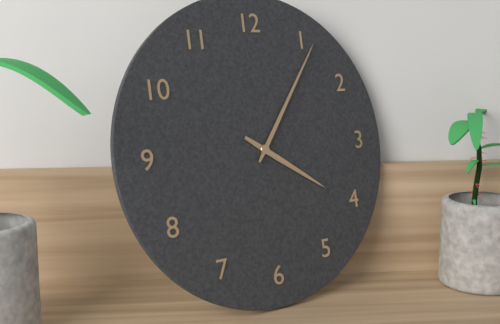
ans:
**4:06**
